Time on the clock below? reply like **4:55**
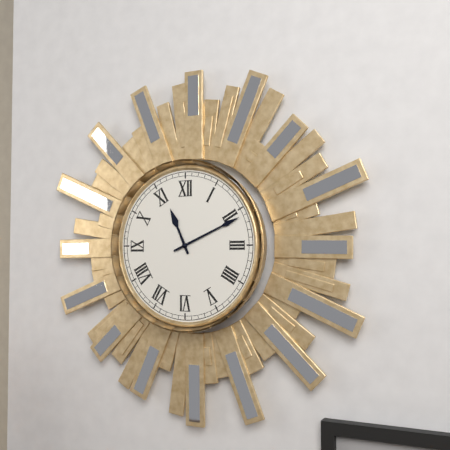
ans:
**11:11**
